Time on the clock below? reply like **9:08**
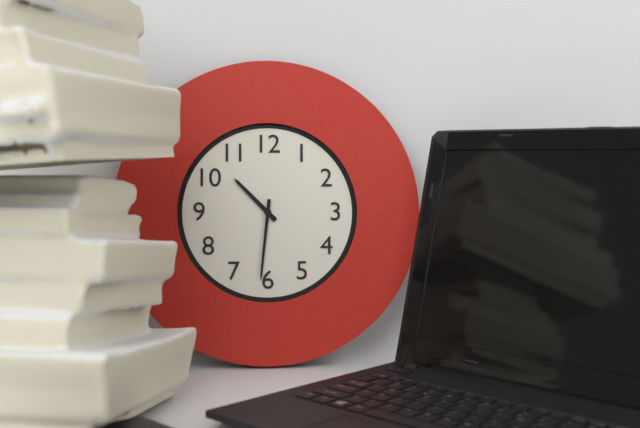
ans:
**10:31**
